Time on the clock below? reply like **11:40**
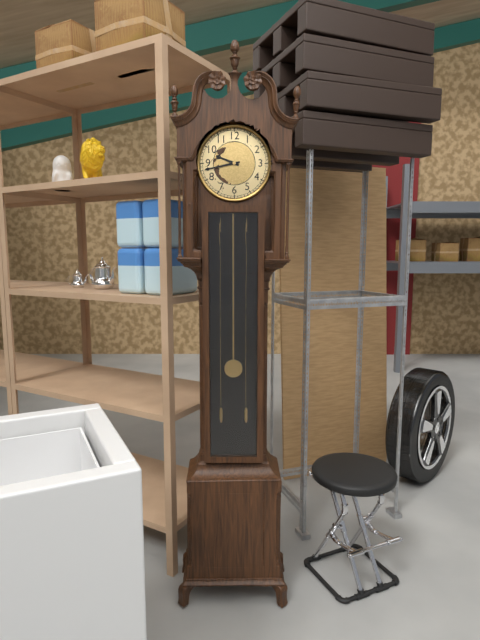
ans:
**9:43**
